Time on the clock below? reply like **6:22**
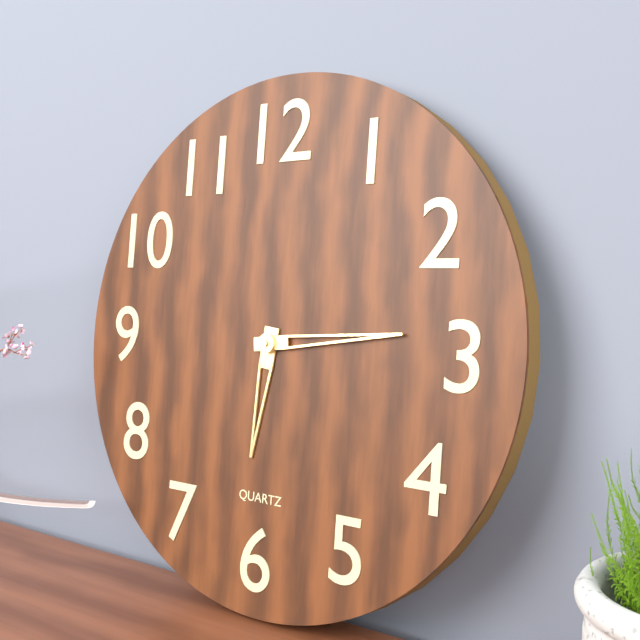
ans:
**6:14**
